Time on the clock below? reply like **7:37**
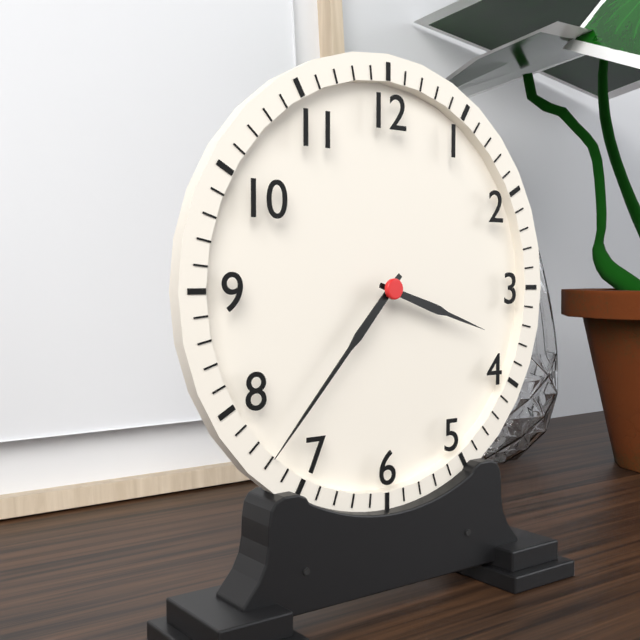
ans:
**3:37**
